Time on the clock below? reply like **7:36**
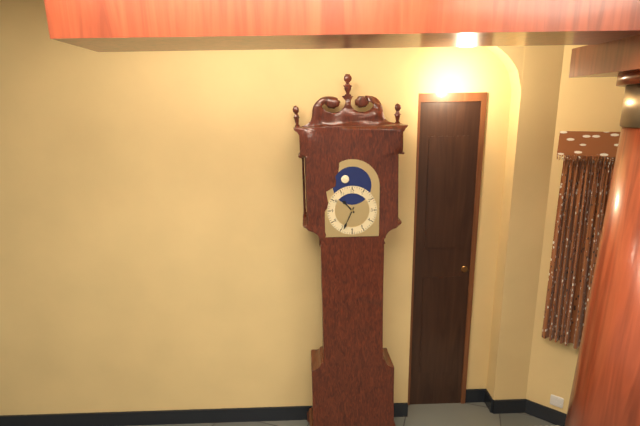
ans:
**10:34**
